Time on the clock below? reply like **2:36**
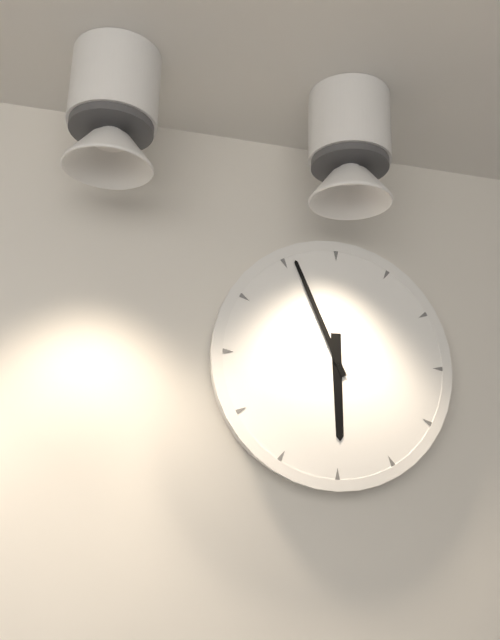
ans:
**5:56**
